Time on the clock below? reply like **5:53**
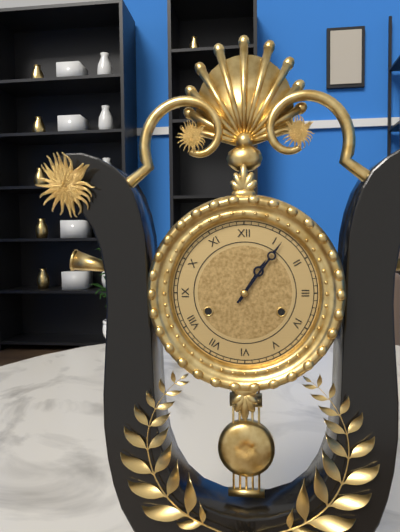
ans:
**1:06**
